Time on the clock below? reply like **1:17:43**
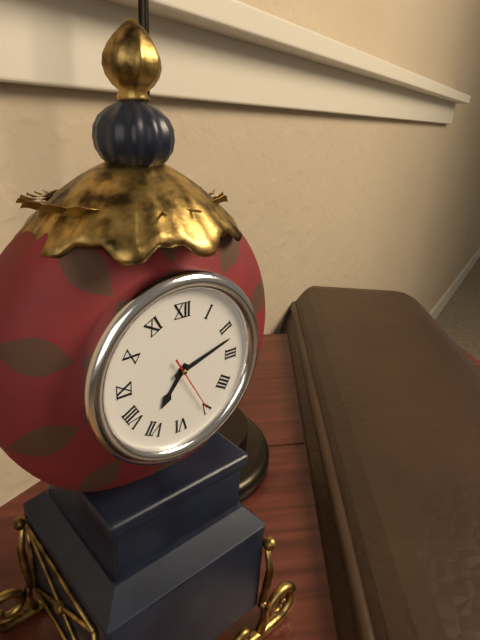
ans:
**7:12:25**
